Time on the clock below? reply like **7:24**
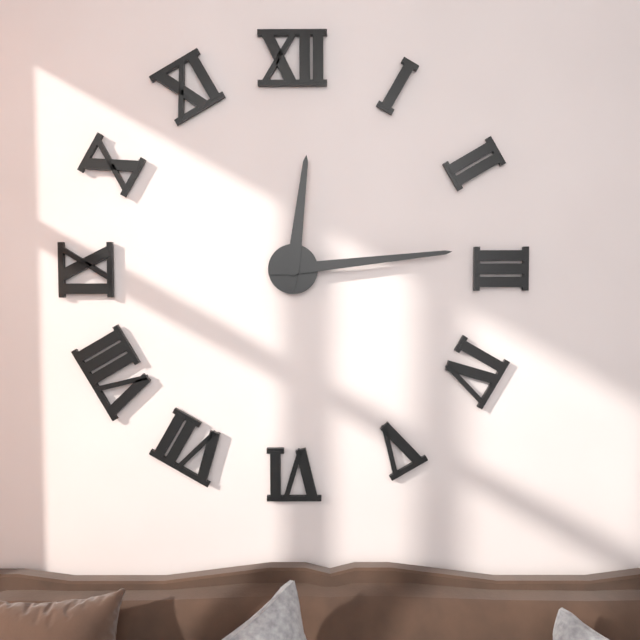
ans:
**12:14**
